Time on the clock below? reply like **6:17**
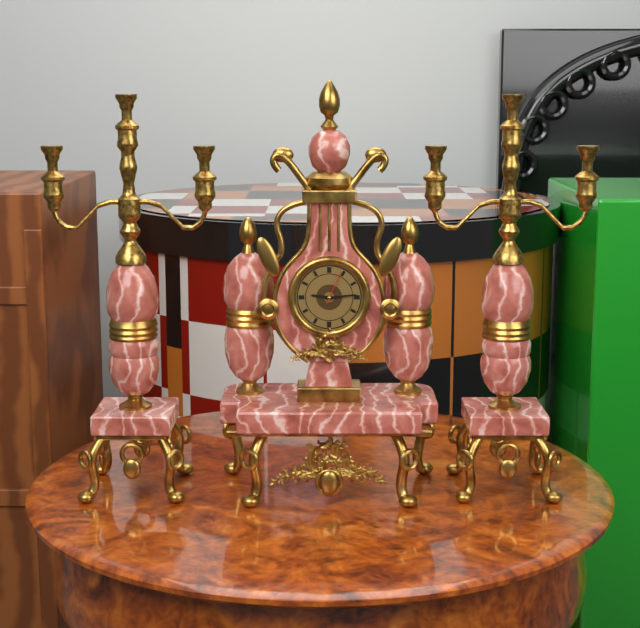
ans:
**9:14**
